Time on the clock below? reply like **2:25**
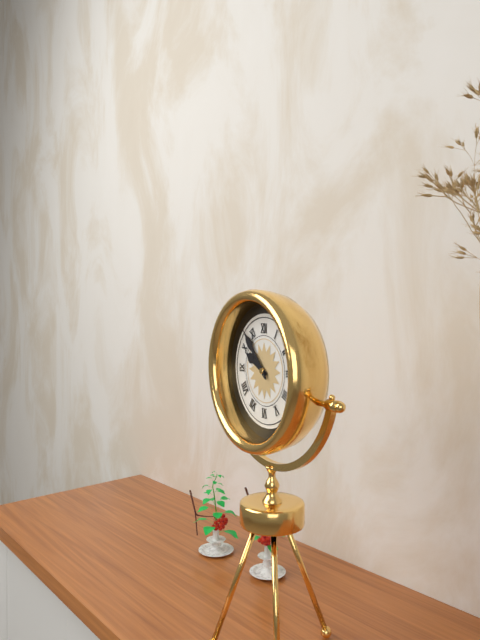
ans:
**9:53**
